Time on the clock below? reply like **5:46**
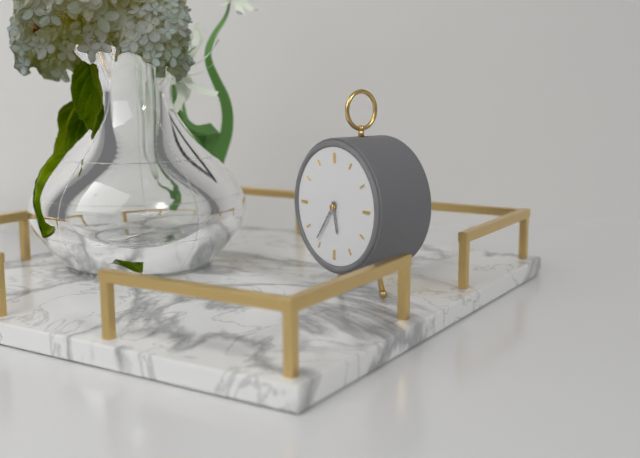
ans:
**5:36**
